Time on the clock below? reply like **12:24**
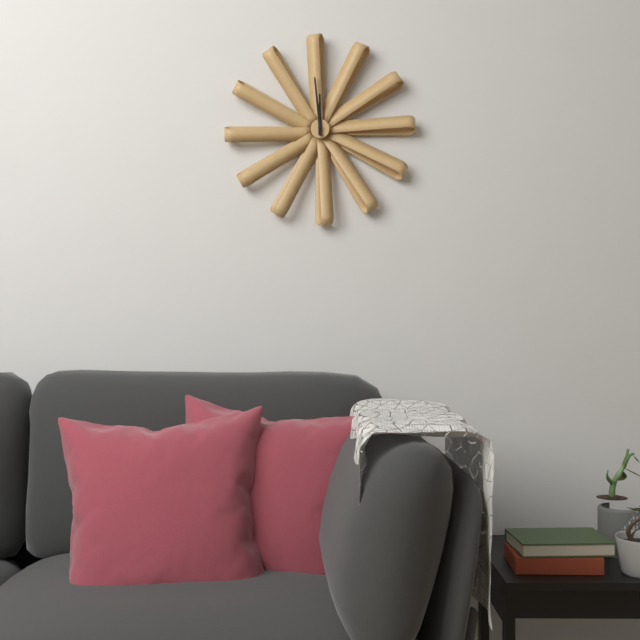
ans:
**11:59**
